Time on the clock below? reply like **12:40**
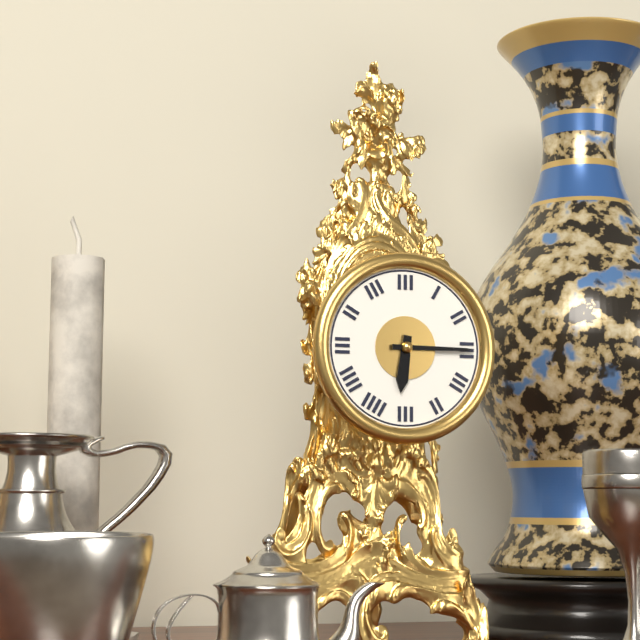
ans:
**6:15**
